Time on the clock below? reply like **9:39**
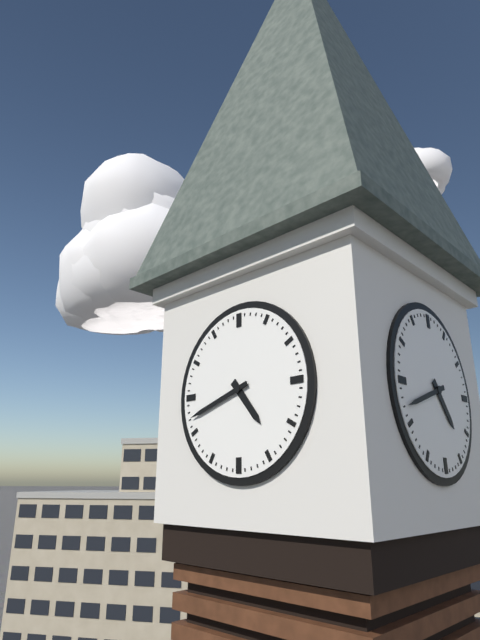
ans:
**4:42**
